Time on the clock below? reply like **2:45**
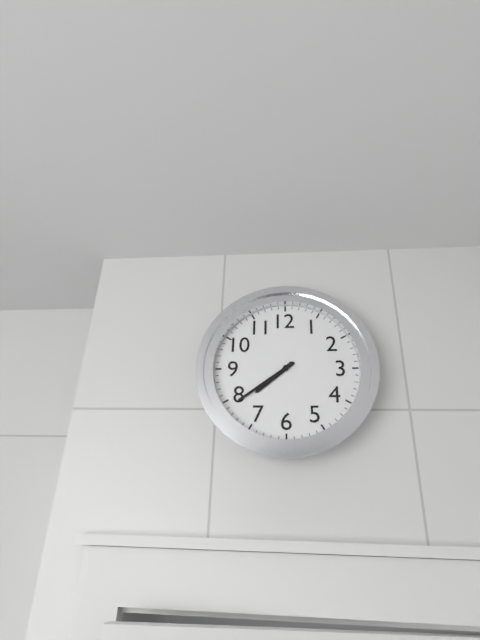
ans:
**7:39**
